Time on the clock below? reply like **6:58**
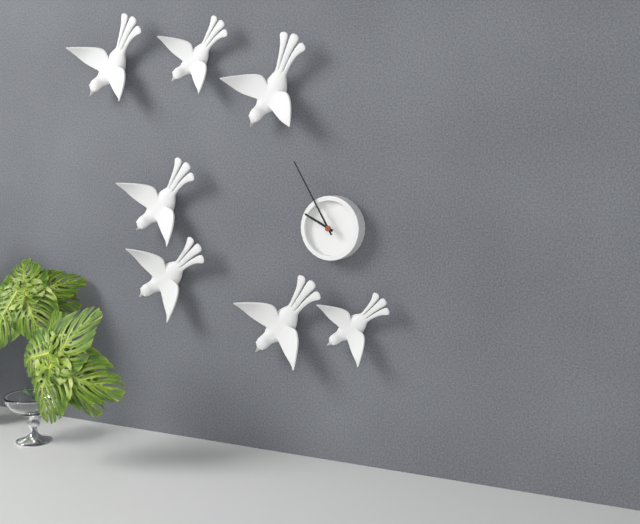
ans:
**9:55**
